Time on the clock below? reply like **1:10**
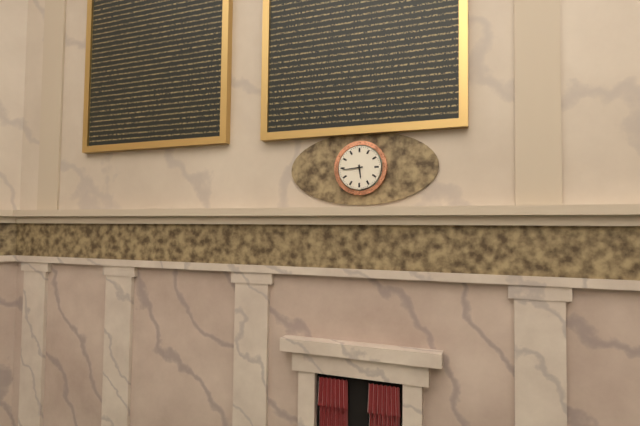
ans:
**5:44**
